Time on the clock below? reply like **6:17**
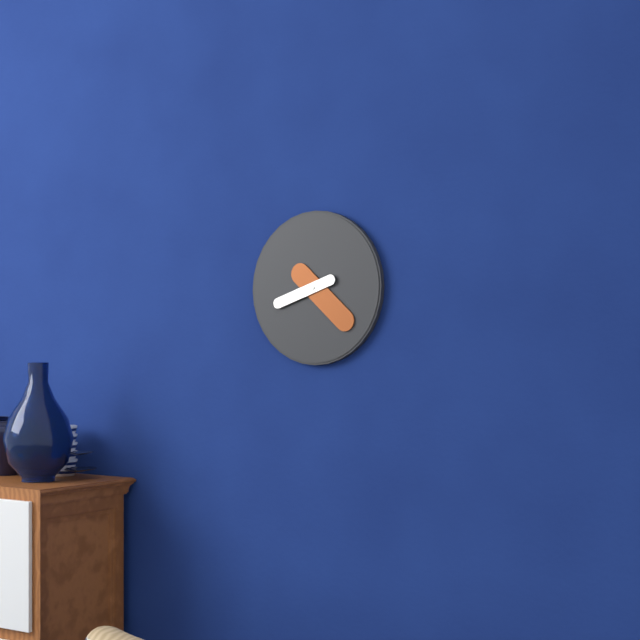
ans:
**8:22**
